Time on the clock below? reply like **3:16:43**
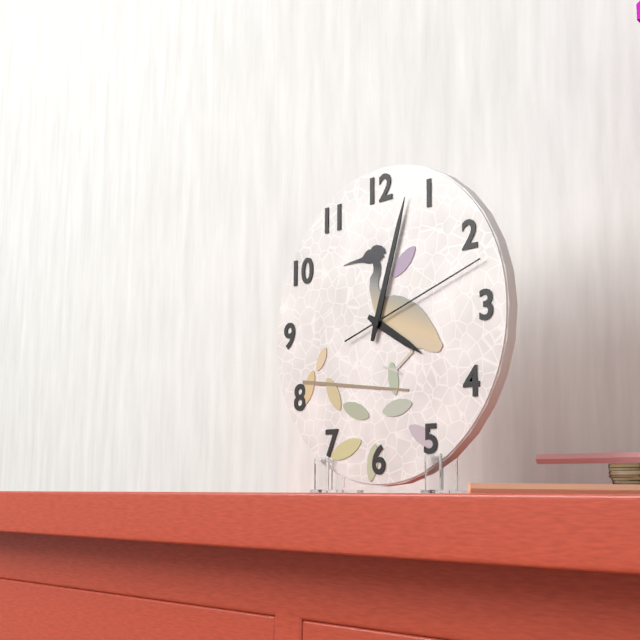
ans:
**4:03:12**
